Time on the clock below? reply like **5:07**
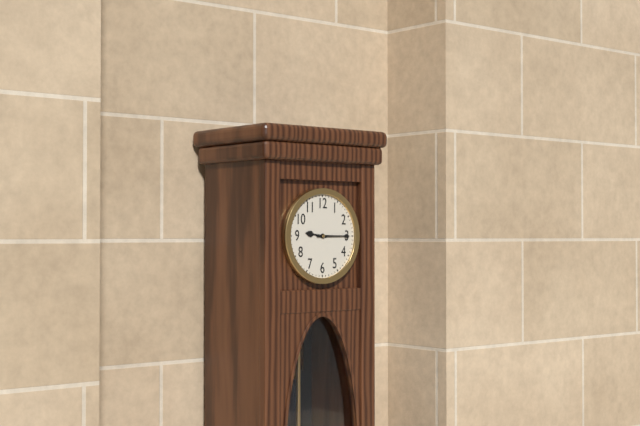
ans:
**9:15**
